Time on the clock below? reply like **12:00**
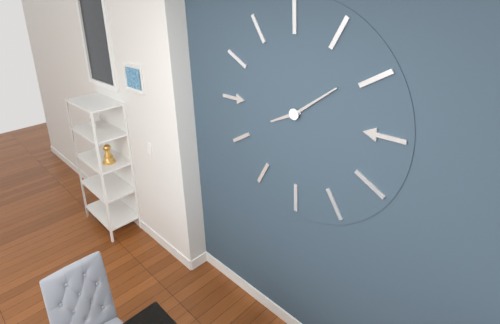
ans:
**8:09**
